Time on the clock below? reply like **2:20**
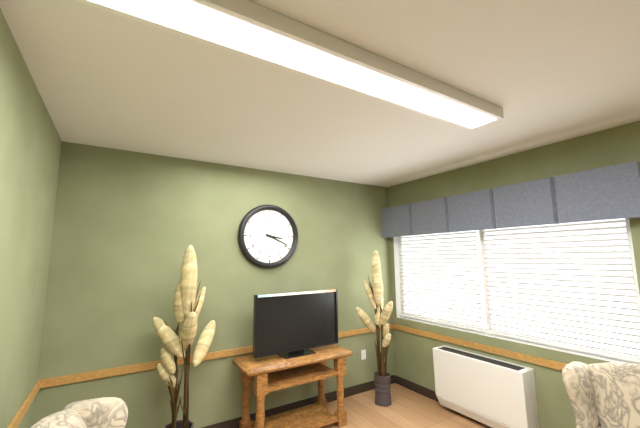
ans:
**3:19**
